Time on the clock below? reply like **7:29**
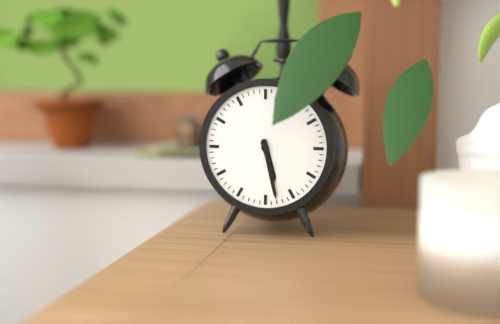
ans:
**5:28**
